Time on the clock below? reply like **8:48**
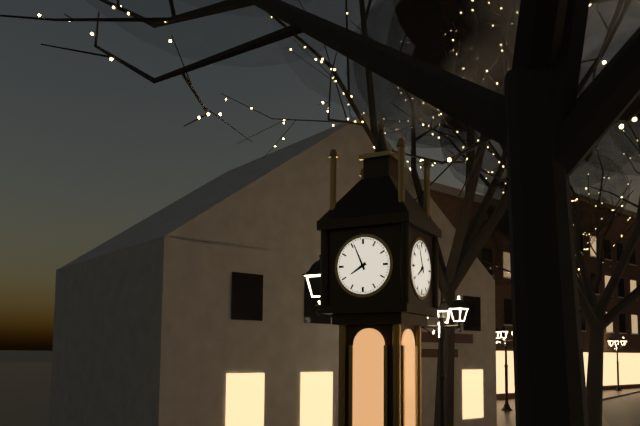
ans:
**7:56**
